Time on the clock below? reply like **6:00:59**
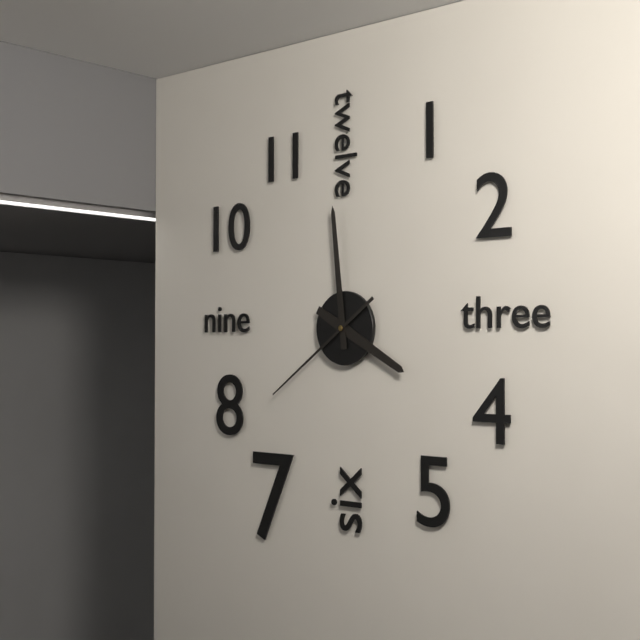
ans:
**3:59:39**
